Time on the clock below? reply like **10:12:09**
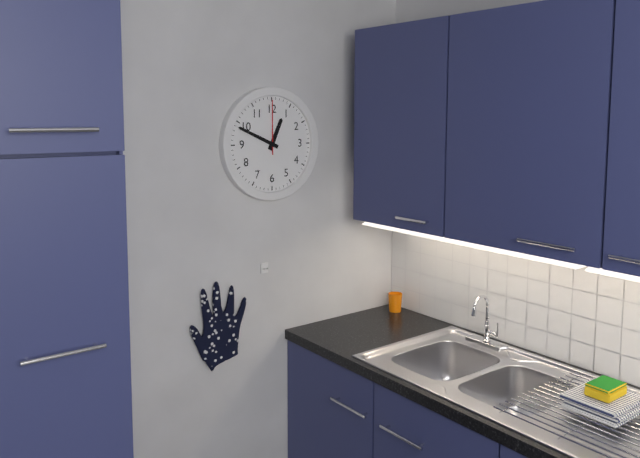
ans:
**12:49:00**
